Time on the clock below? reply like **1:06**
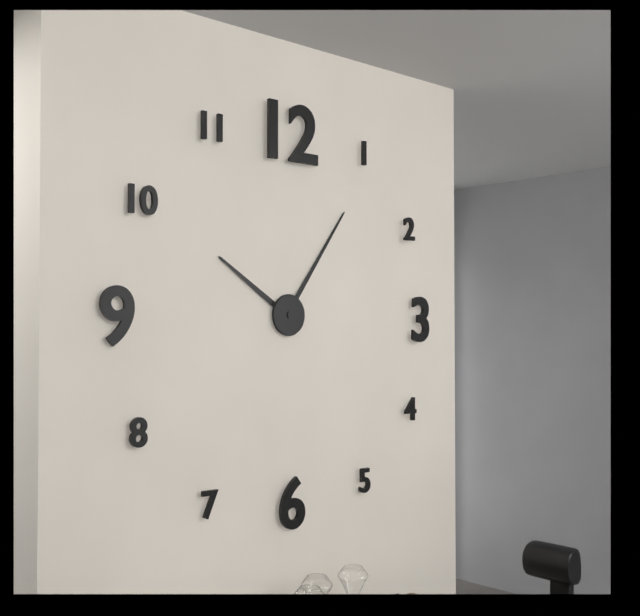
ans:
**10:06**
